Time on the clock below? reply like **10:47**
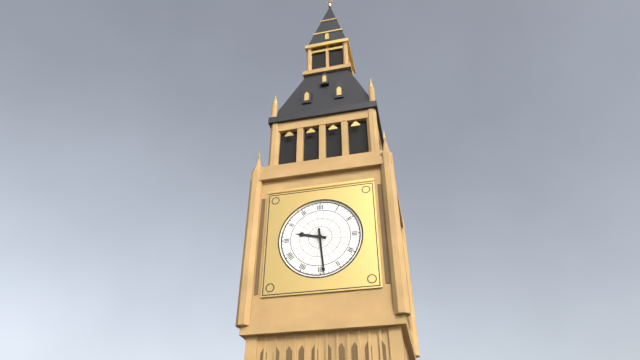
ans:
**9:29**
